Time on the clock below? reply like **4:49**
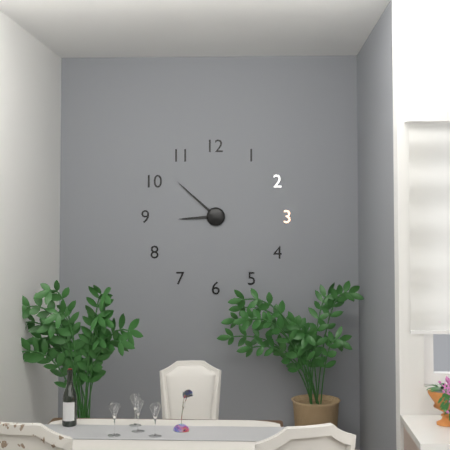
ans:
**8:52**
